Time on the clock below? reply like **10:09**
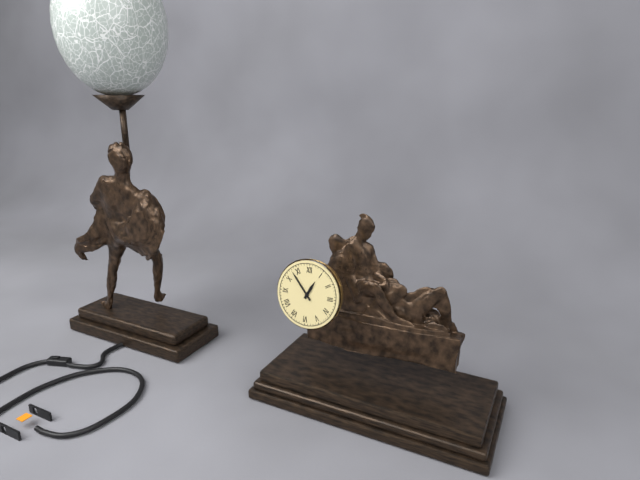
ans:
**12:53**
